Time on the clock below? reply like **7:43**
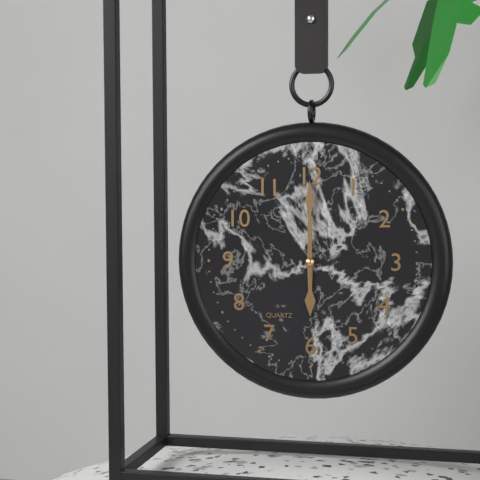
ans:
**6:00**
